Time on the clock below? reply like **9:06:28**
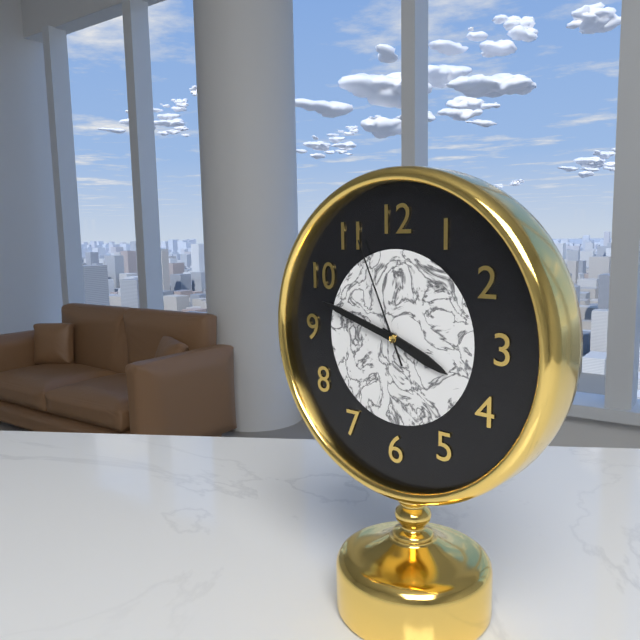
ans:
**3:48:56**
